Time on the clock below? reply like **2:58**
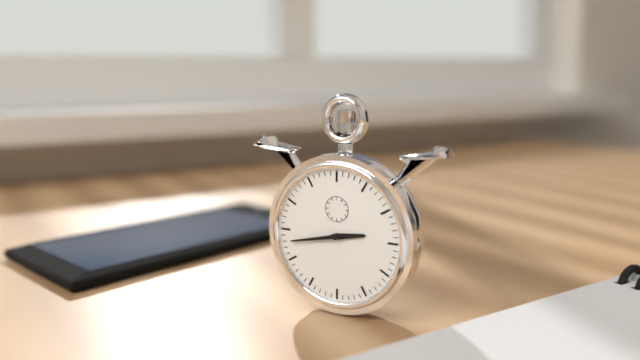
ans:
**2:43**
